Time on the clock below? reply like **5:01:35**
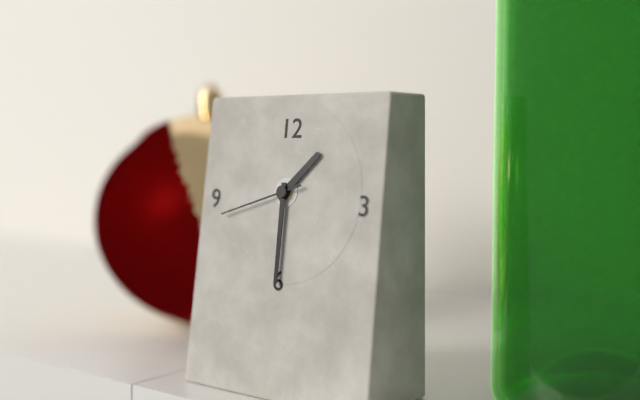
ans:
**1:30:42**
